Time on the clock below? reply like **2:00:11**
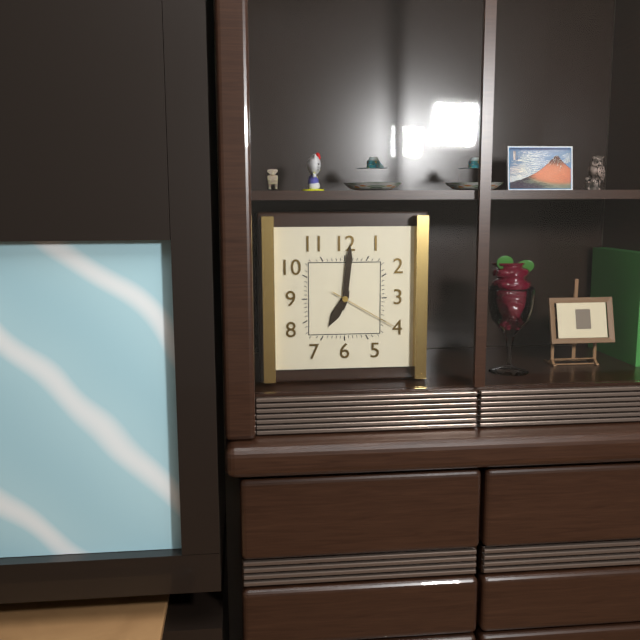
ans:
**7:01:20**
